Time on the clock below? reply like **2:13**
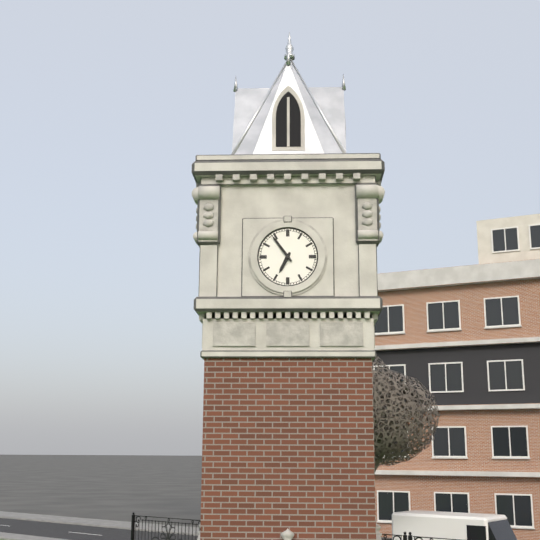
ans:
**6:54**
